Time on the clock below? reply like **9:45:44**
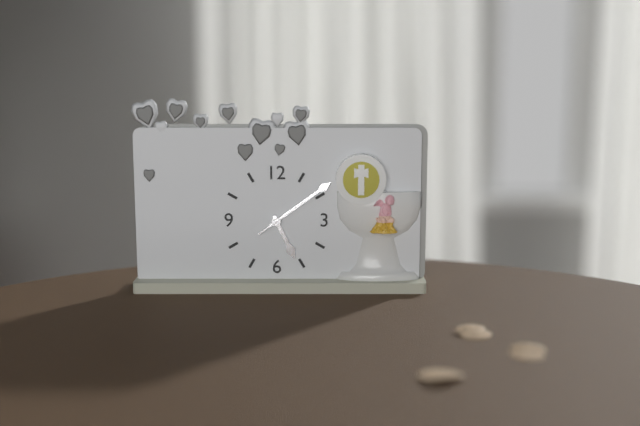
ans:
**5:09:09**
